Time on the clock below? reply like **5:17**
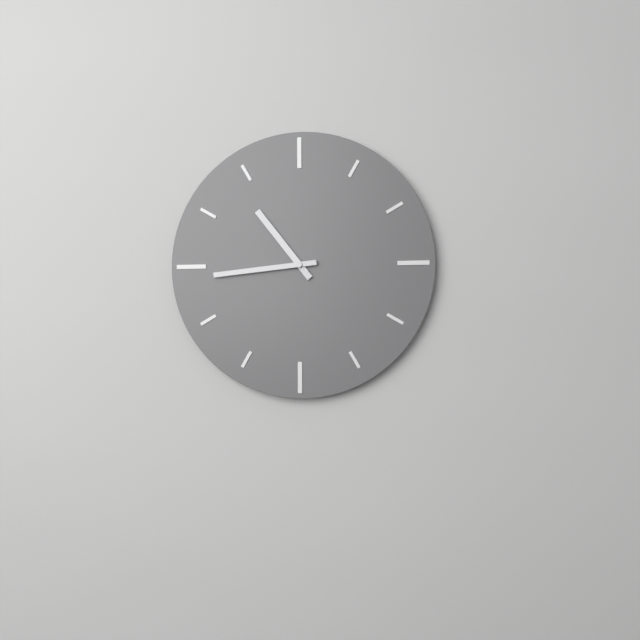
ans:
**10:44**
